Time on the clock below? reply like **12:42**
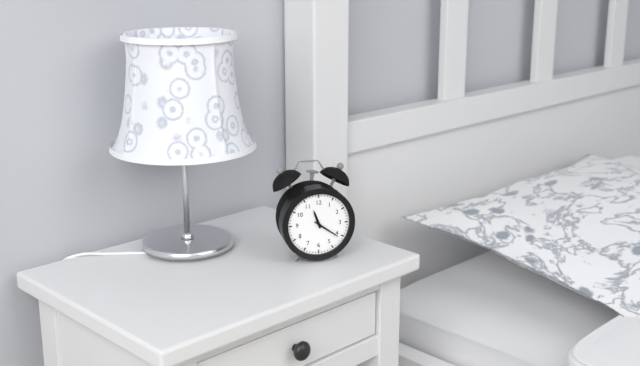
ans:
**11:21**
